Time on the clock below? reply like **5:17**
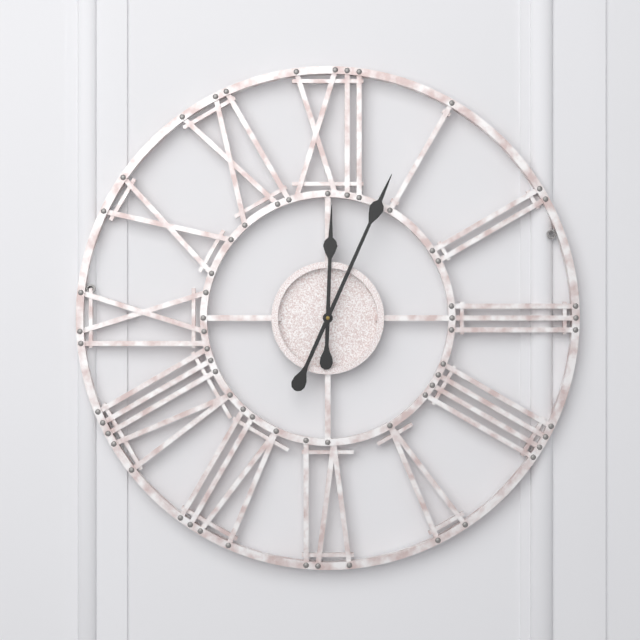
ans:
**12:04**
